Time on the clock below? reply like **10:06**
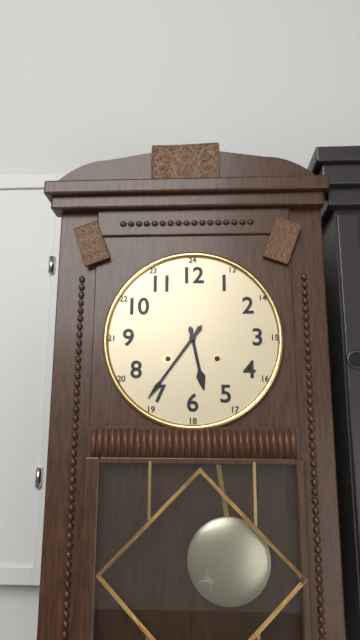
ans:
**5:36**
